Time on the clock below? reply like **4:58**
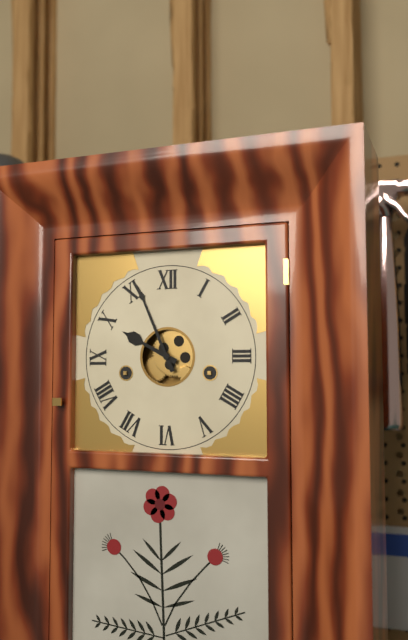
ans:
**9:56**
